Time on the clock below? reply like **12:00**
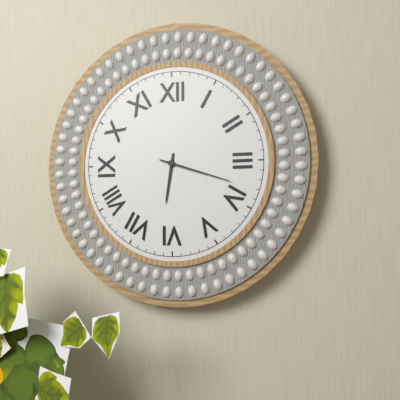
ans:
**6:18**
